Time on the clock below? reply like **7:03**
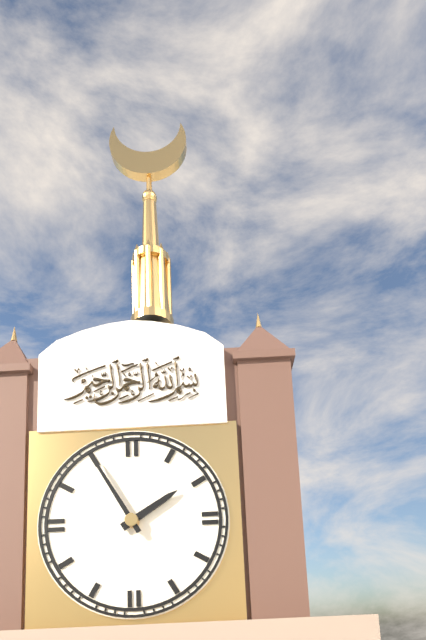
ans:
**1:55**
